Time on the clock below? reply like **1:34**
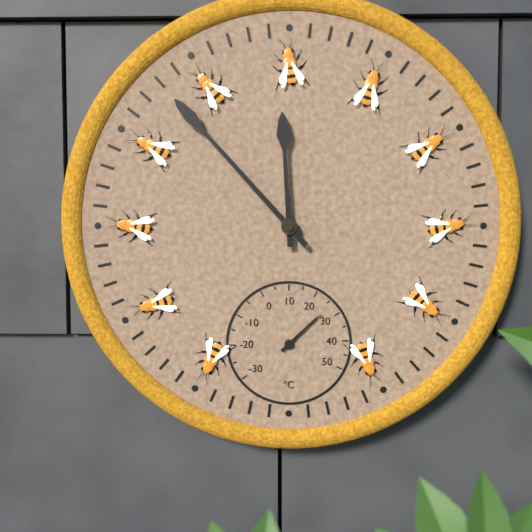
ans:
**11:53**
